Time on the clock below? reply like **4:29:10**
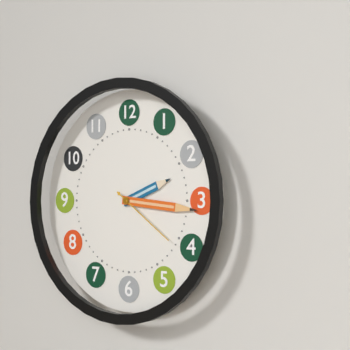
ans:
**2:16:21**
